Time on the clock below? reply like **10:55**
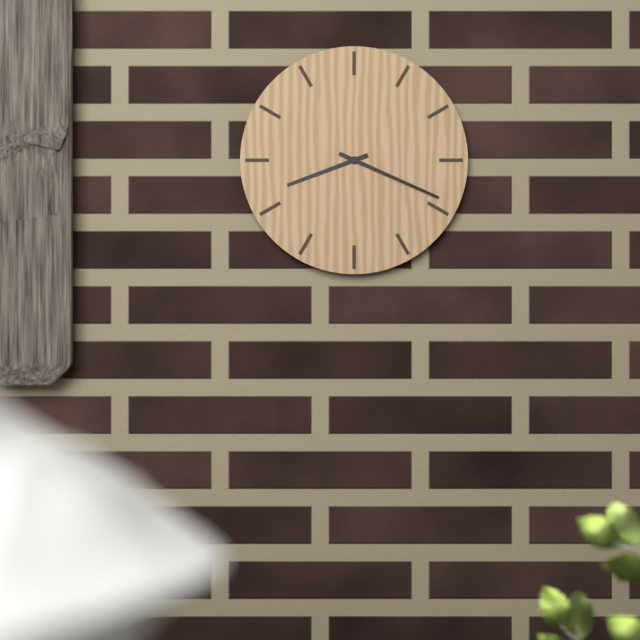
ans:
**8:19**
